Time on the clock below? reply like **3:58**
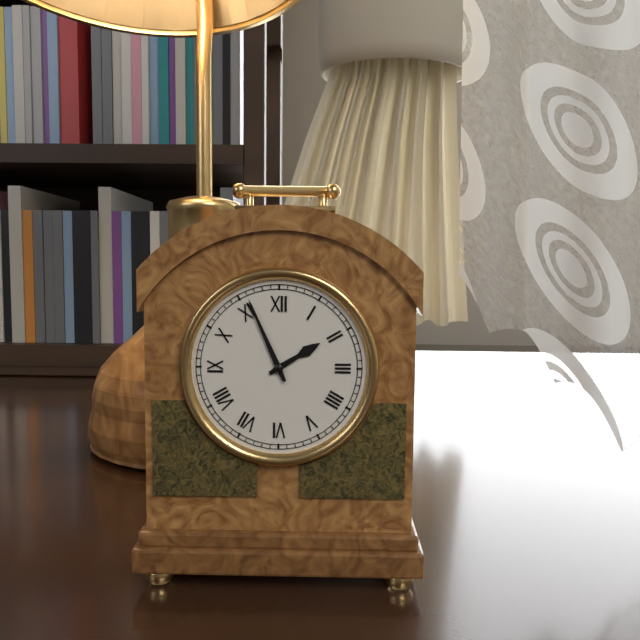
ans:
**1:56**
